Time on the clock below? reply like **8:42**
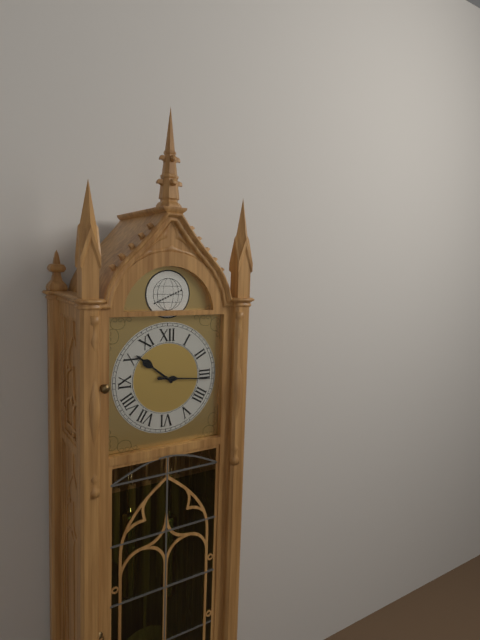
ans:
**10:16**
